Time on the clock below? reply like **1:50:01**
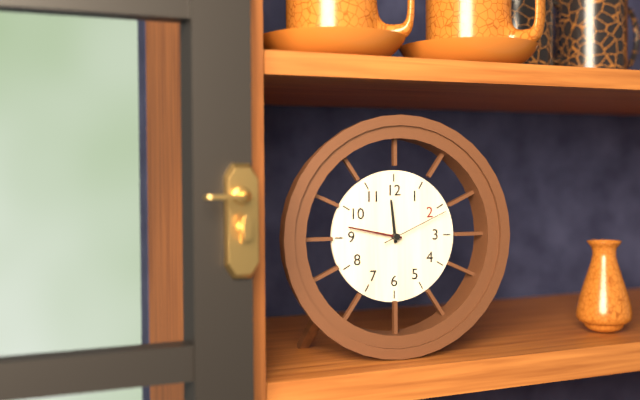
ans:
**11:47:11**
